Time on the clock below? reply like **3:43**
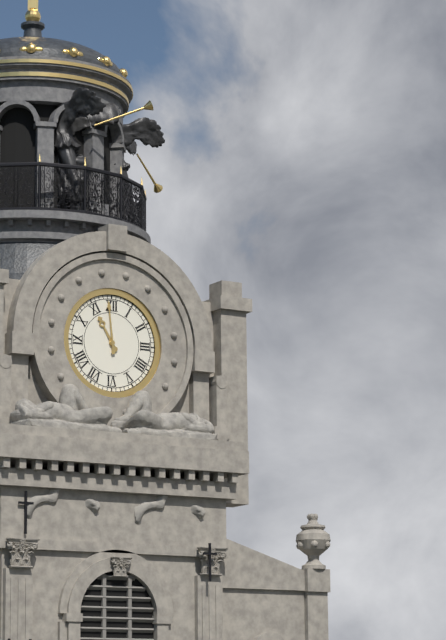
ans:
**10:59**
